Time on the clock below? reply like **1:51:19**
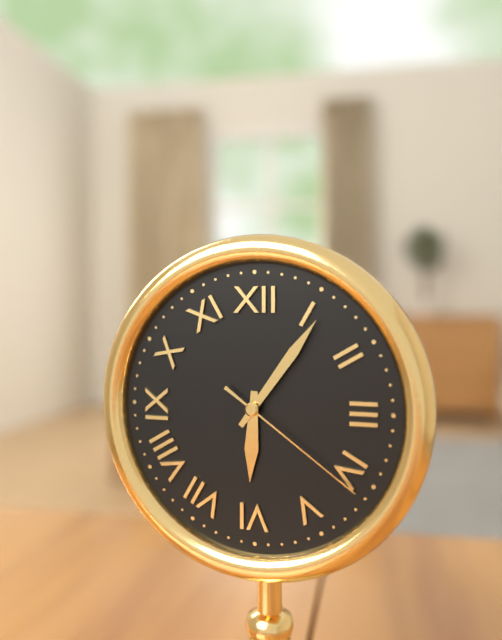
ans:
**6:06:21**
